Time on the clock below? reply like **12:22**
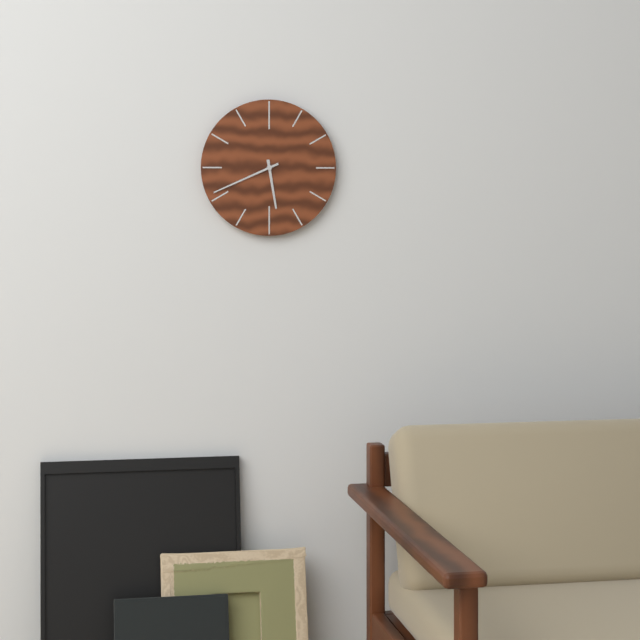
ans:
**5:41**
